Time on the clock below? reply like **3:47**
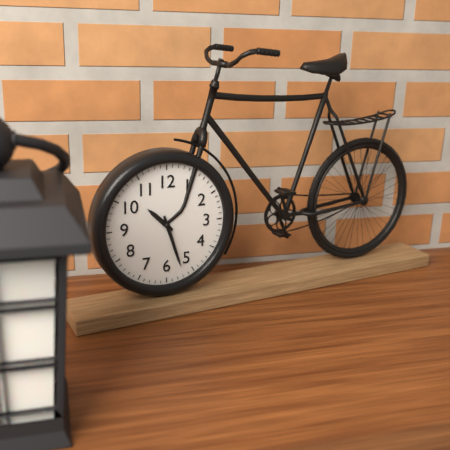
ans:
**10:27**
